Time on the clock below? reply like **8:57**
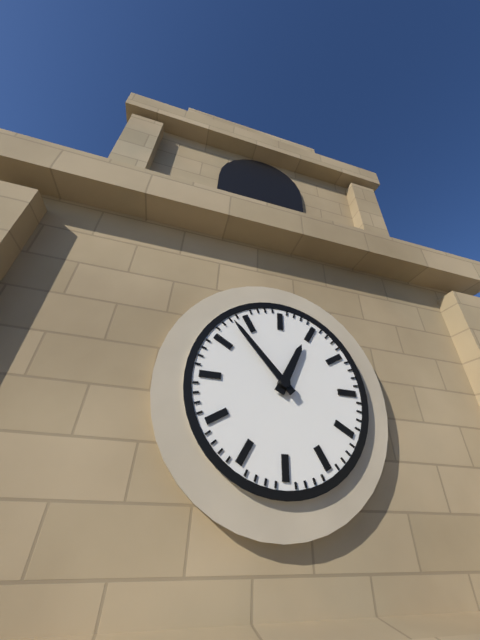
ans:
**12:53**
